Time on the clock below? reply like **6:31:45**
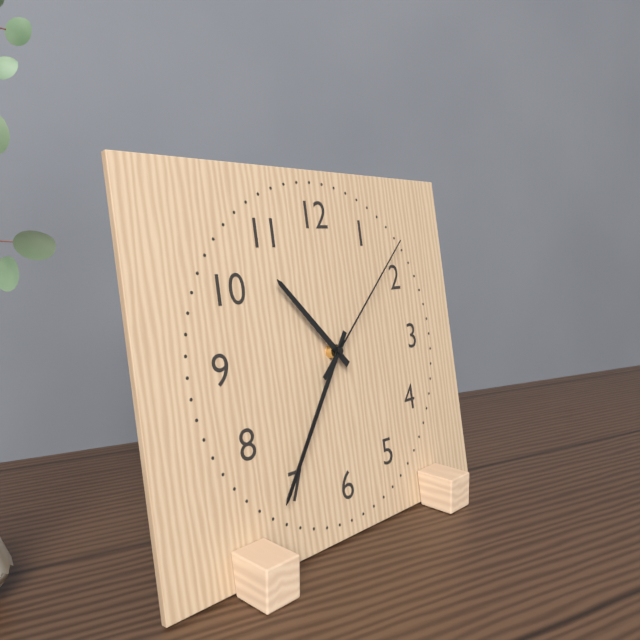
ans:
**10:36:08**
